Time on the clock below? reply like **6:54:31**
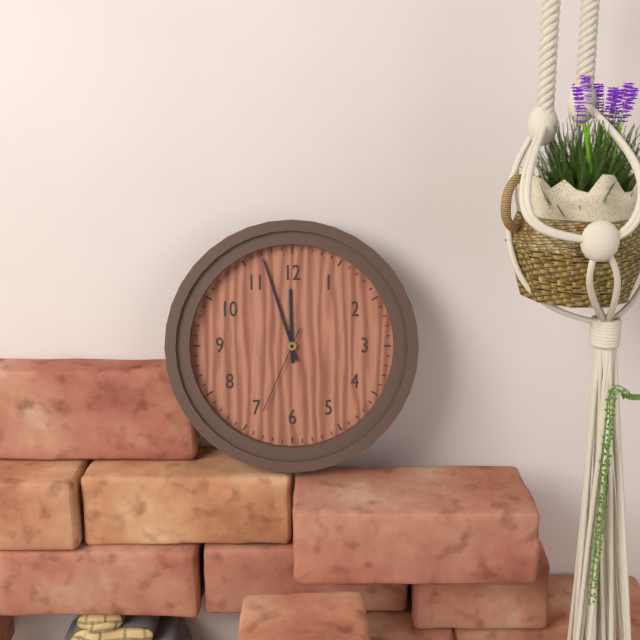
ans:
**11:57:34**
